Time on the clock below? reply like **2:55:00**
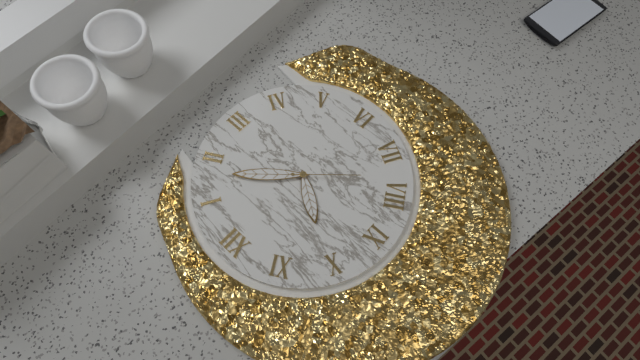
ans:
**10:08:38**
